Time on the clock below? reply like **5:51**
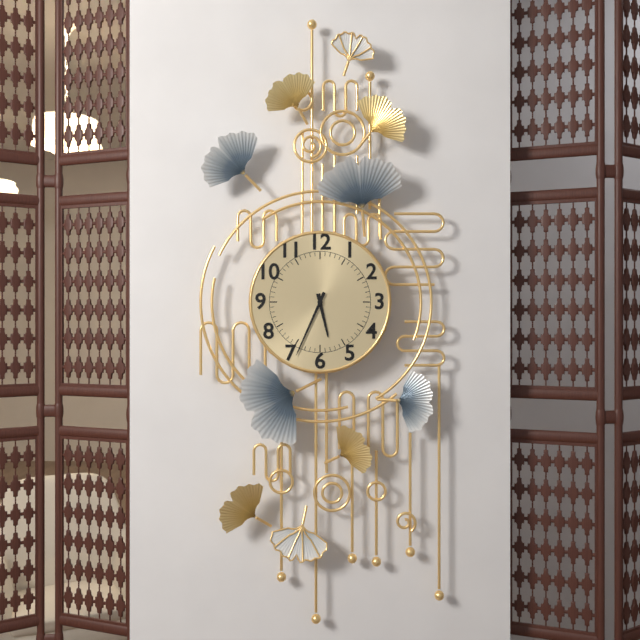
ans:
**5:34**
